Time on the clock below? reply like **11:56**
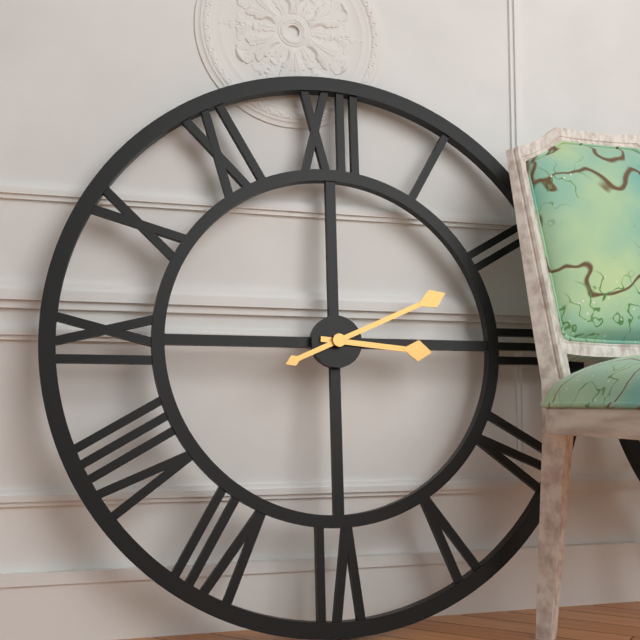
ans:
**3:11**
